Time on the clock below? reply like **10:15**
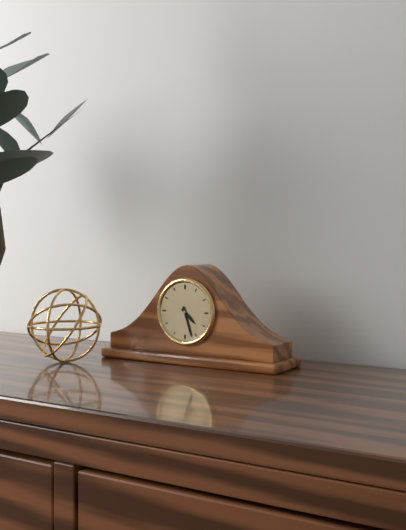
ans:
**4:27**
